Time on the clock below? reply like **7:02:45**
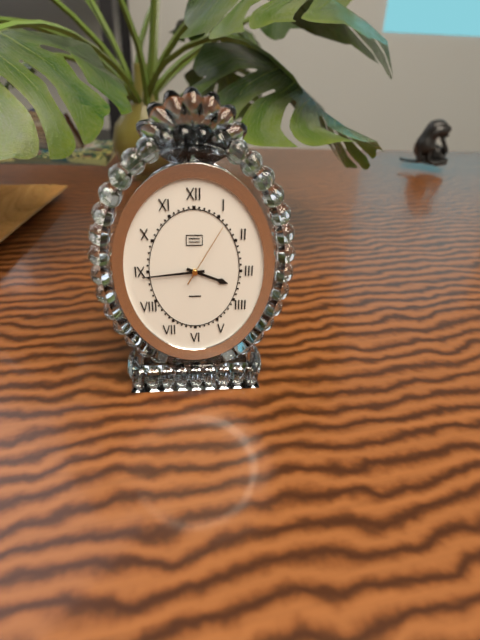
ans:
**3:44:05**
